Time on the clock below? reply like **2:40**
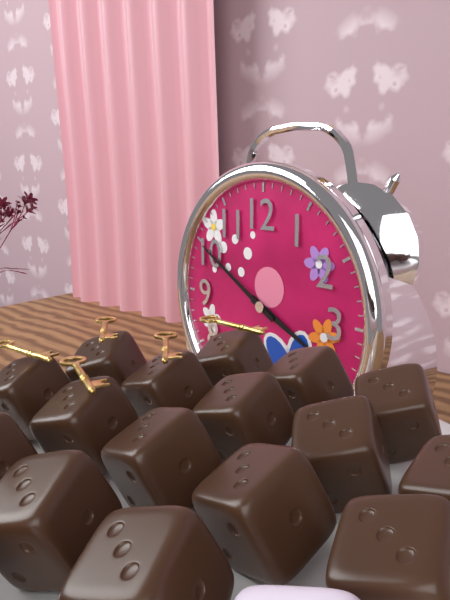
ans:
**3:50**
